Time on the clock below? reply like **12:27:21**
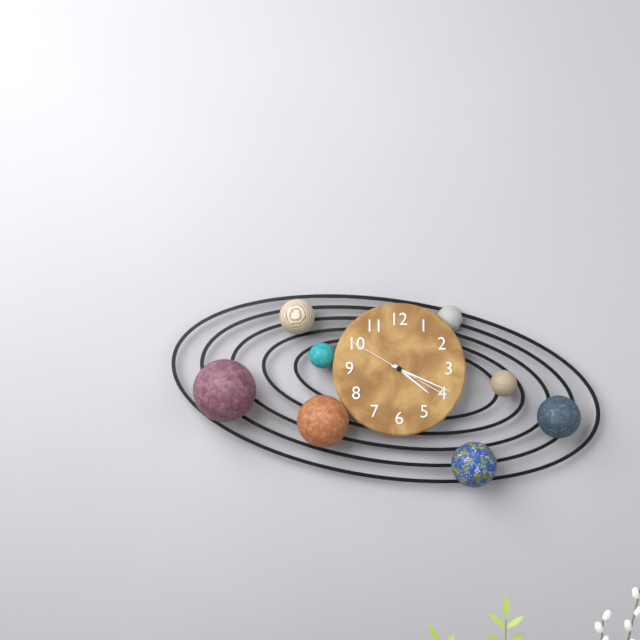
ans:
**4:19:50**
